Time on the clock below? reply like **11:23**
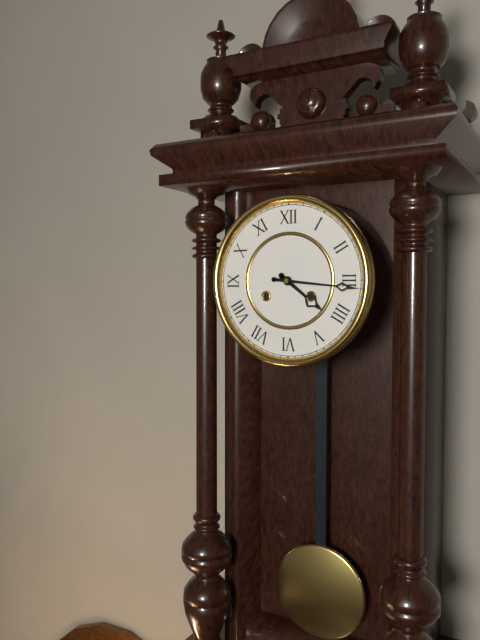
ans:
**4:16**
